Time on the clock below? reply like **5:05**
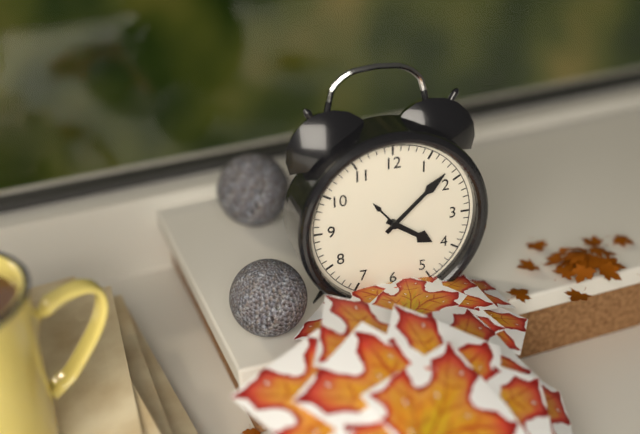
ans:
**4:08**
